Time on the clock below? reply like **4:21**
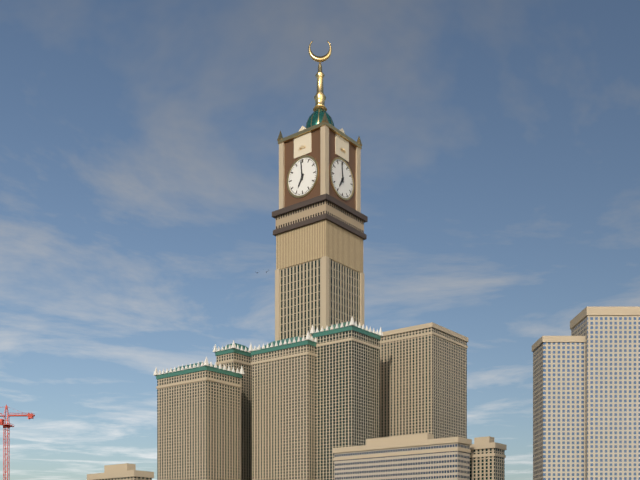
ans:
**6:59**
